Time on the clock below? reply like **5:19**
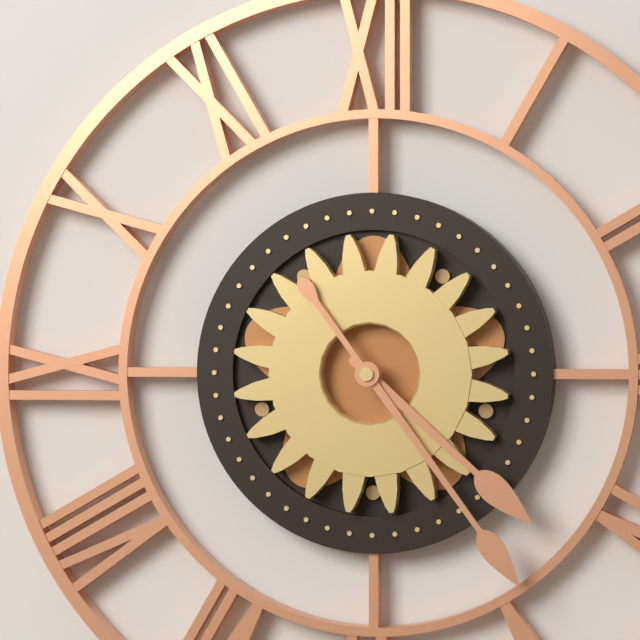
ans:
**4:24**
